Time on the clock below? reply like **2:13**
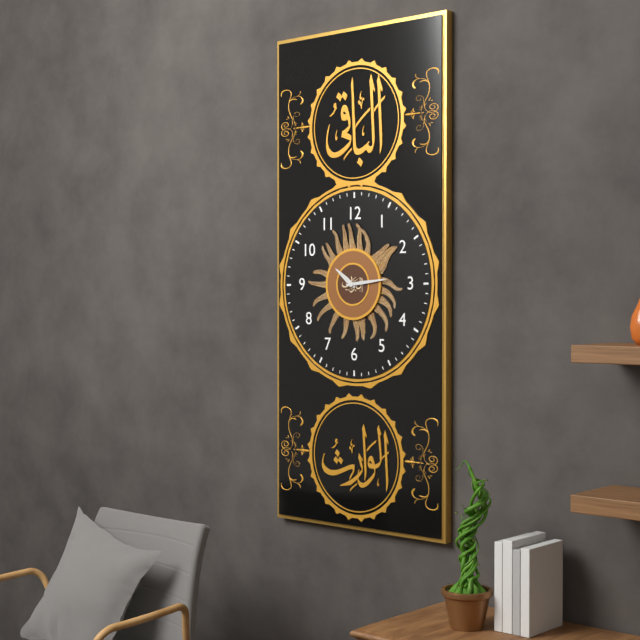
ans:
**10:14**
